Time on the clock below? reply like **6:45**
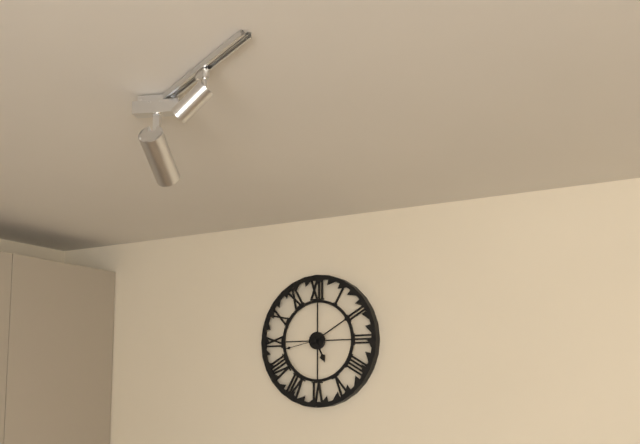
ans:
**5:10**
